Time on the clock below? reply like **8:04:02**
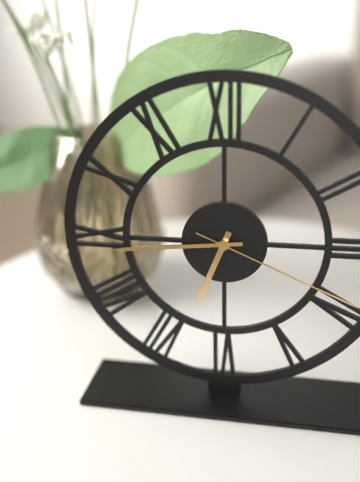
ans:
**6:44:19**
